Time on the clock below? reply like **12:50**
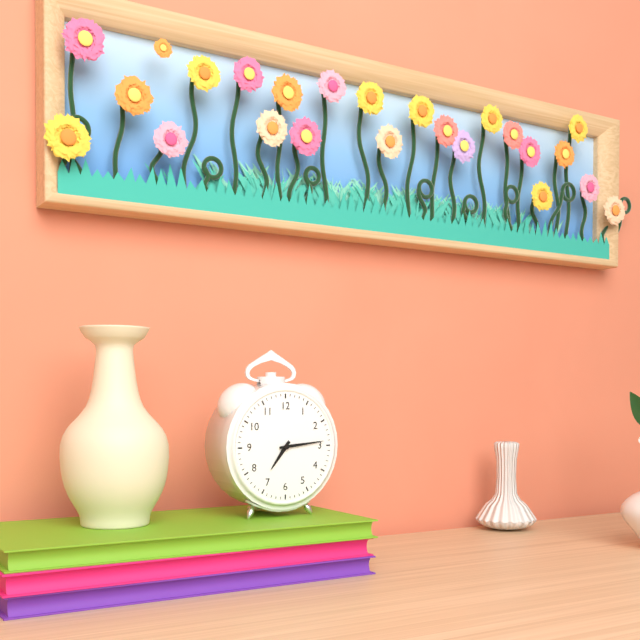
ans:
**7:14**
